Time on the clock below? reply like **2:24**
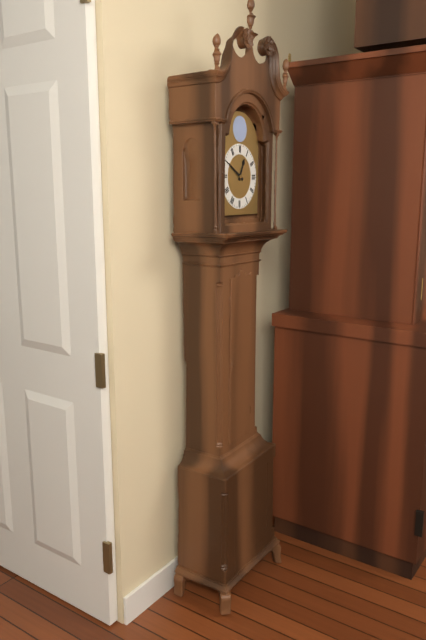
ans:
**12:50**
